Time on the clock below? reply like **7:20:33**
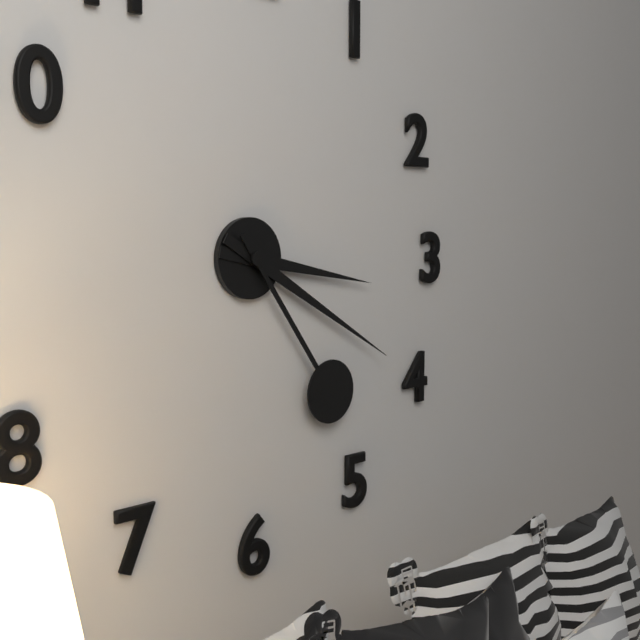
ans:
**3:20:24**
